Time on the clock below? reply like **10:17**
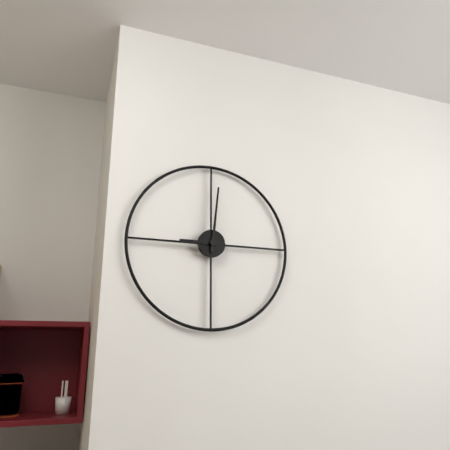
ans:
**9:01**
